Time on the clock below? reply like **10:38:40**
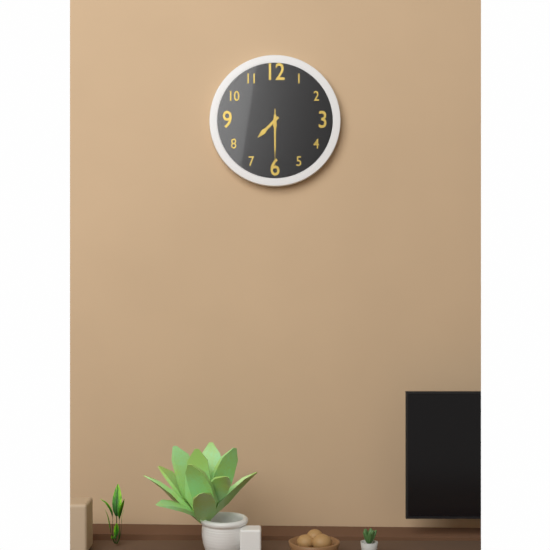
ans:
**7:30:30**
